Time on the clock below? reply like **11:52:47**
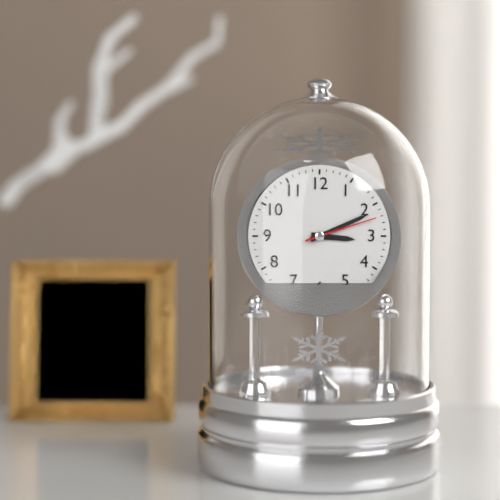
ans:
**3:11:12**
